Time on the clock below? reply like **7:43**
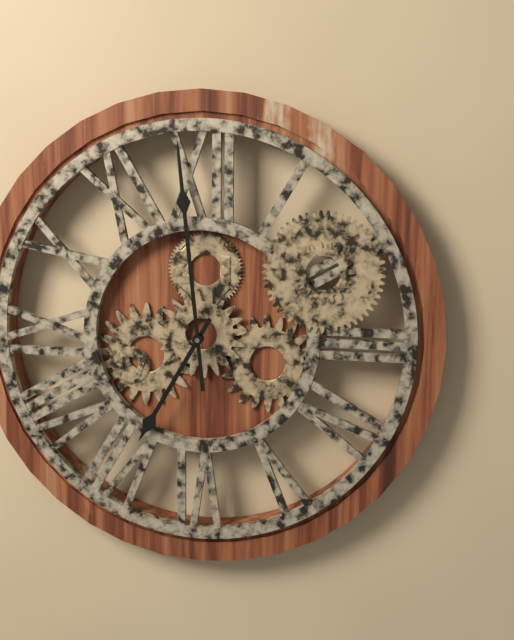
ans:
**6:59**
